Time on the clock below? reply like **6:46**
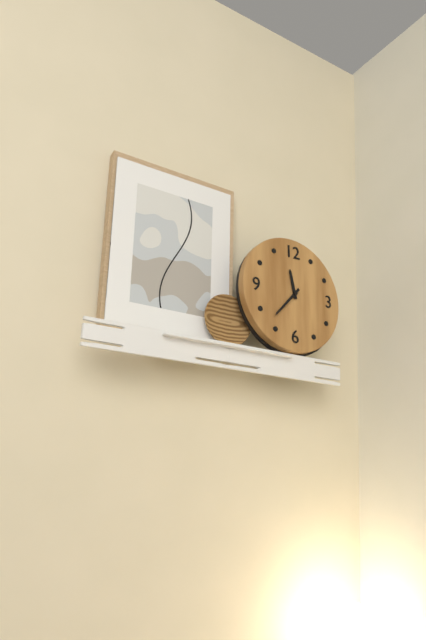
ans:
**11:37**
